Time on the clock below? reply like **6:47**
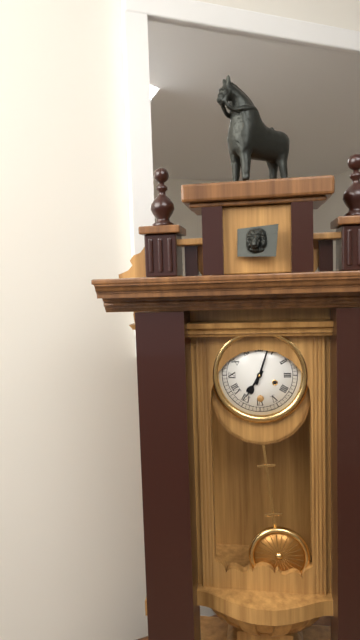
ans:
**7:03**
